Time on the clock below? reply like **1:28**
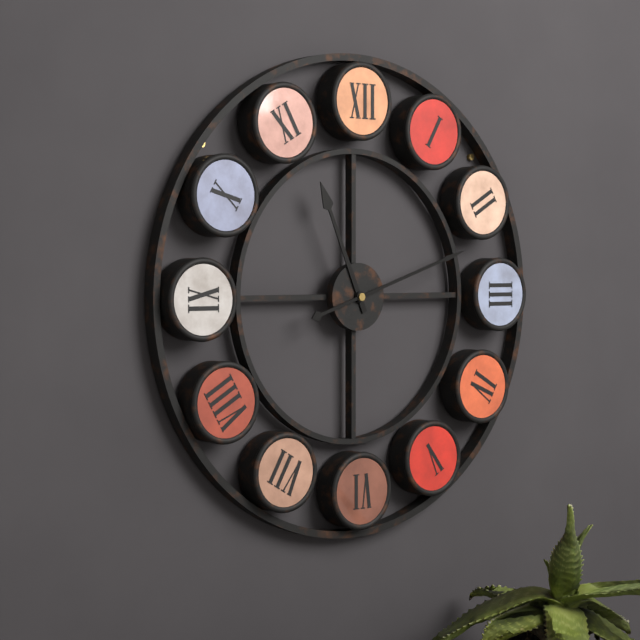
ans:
**11:12**
